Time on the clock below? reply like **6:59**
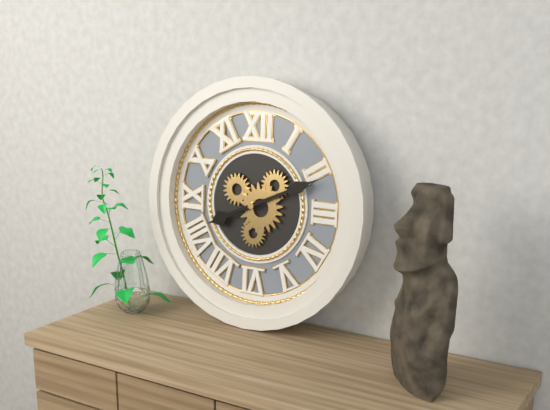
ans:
**8:11**
